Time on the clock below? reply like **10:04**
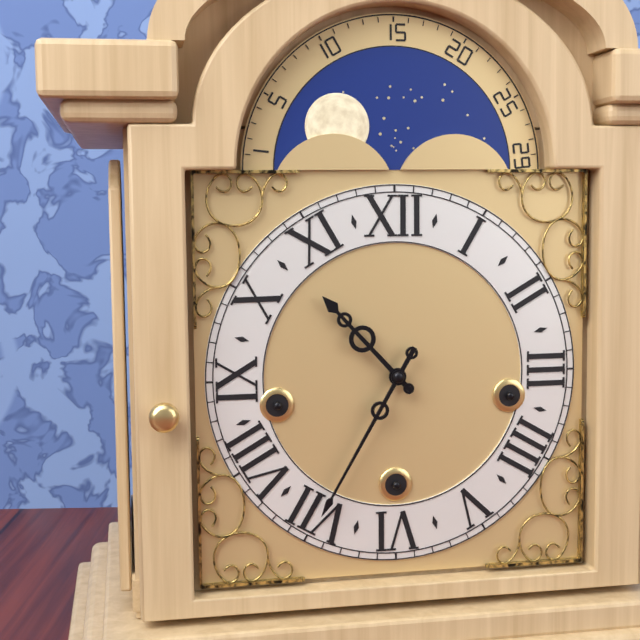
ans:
**10:35**
